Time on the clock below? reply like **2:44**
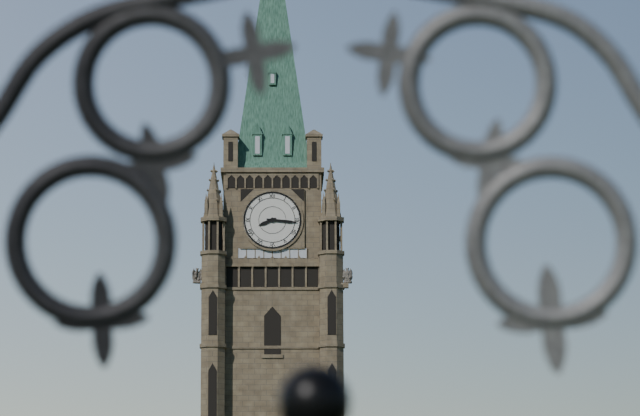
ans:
**8:16**
